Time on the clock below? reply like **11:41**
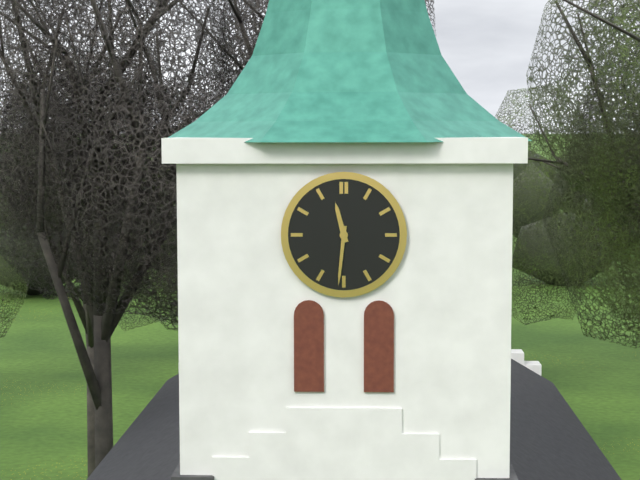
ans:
**11:31**
